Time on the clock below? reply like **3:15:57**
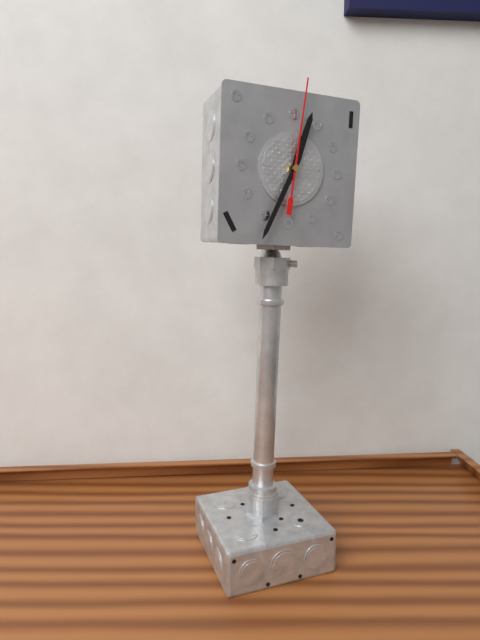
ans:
**12:34:01**
